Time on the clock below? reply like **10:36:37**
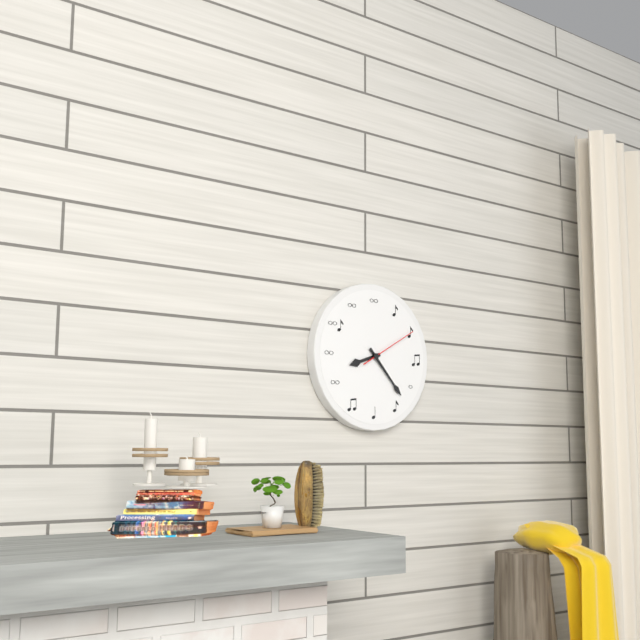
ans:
**8:23:10**
